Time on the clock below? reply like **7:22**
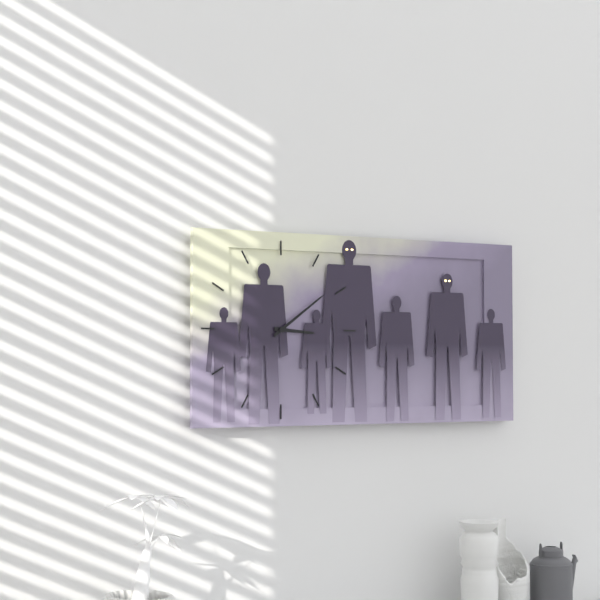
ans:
**3:09**
